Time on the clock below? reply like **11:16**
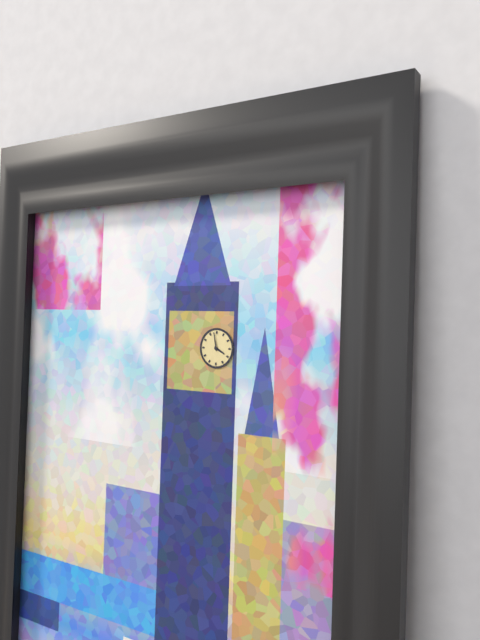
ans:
**3:58**
